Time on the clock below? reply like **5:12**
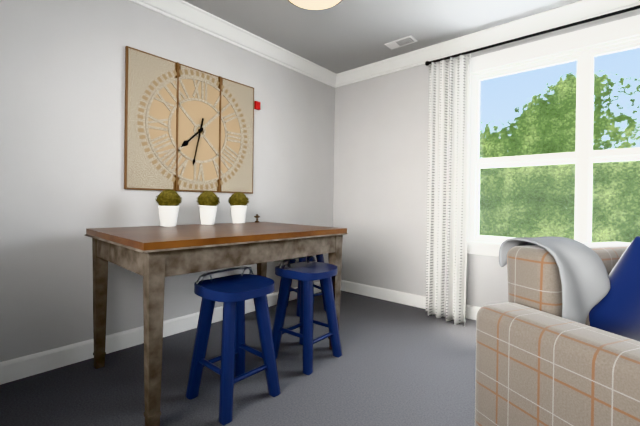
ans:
**7:32**
